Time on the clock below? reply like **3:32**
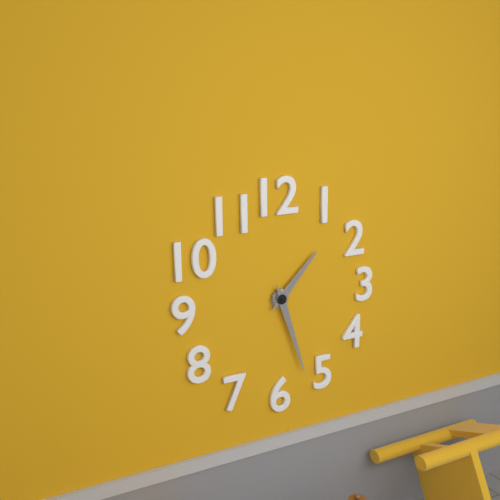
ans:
**1:27**
